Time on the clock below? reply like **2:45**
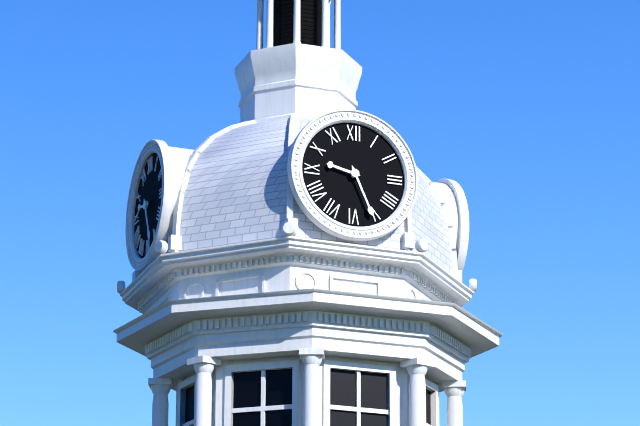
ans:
**9:26**
